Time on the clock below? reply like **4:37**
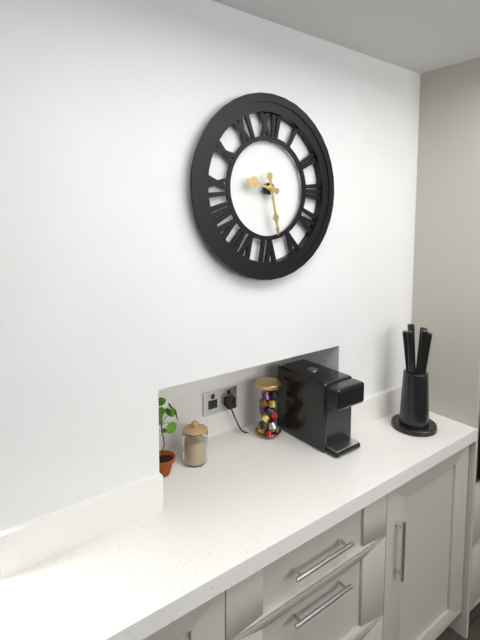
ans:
**9:28**
